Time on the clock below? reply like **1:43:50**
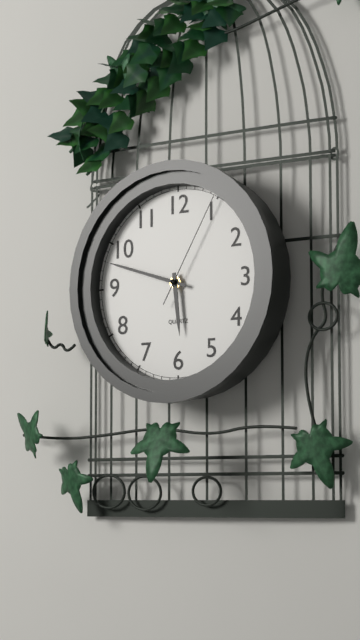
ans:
**5:48:05**
